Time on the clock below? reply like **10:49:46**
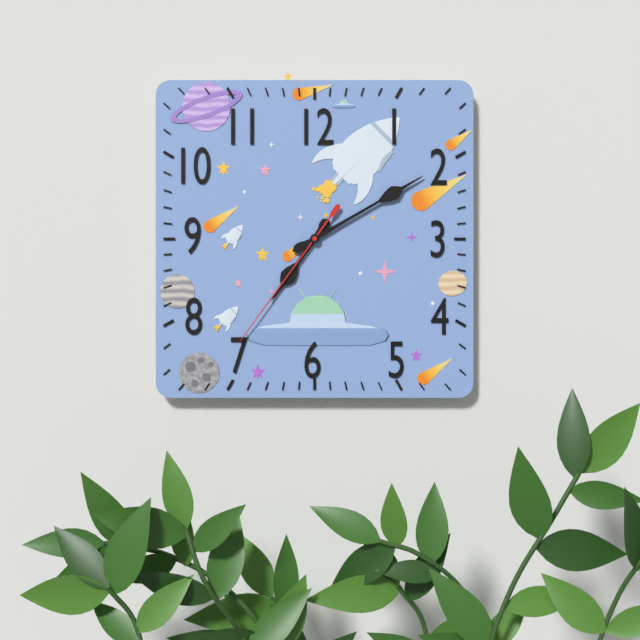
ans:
**7:10:36**
